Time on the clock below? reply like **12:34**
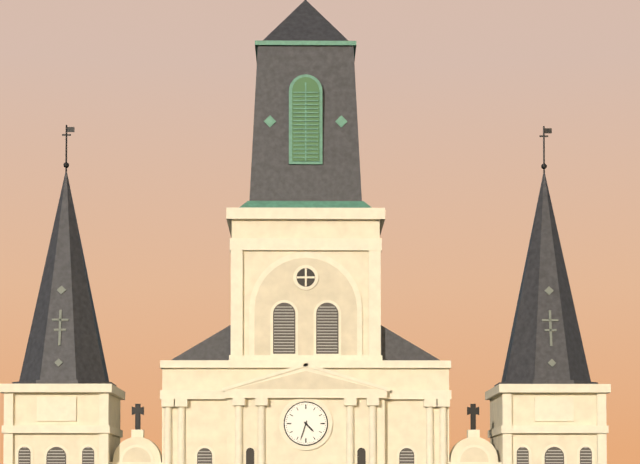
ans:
**4:33**
